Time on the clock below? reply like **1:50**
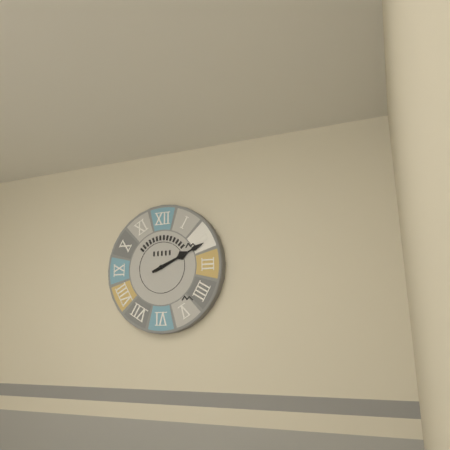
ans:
**2:11**
